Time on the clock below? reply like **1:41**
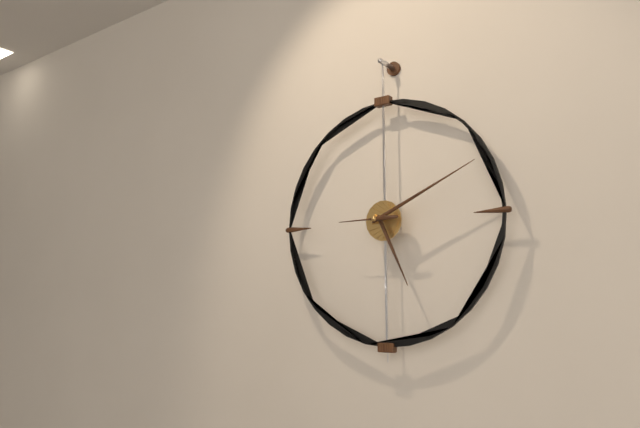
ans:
**5:11**
